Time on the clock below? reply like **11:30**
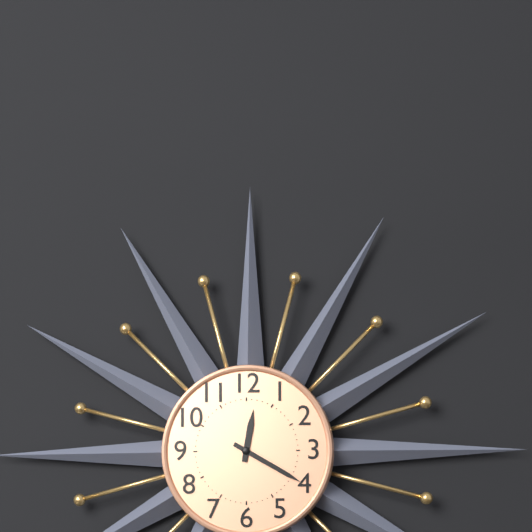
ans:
**12:20**
